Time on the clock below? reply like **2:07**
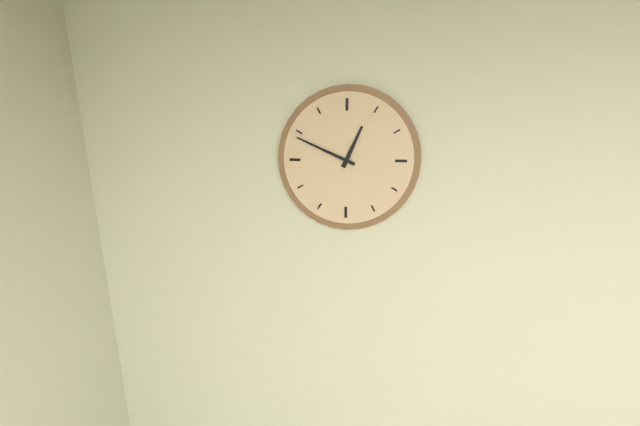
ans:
**12:49**
